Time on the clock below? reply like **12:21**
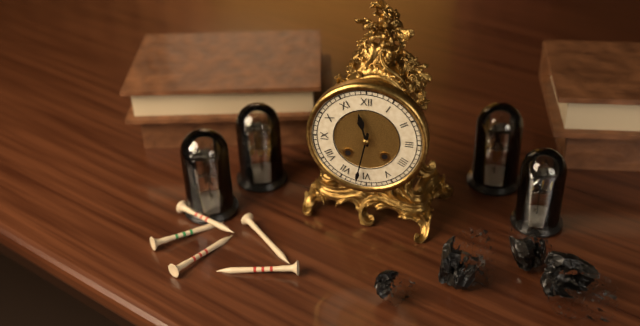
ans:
**11:32**
